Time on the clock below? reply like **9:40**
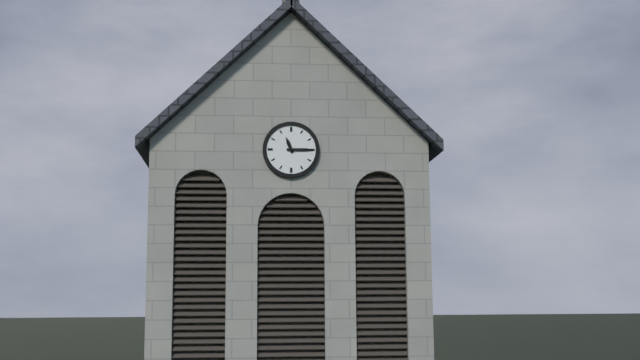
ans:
**11:15**
